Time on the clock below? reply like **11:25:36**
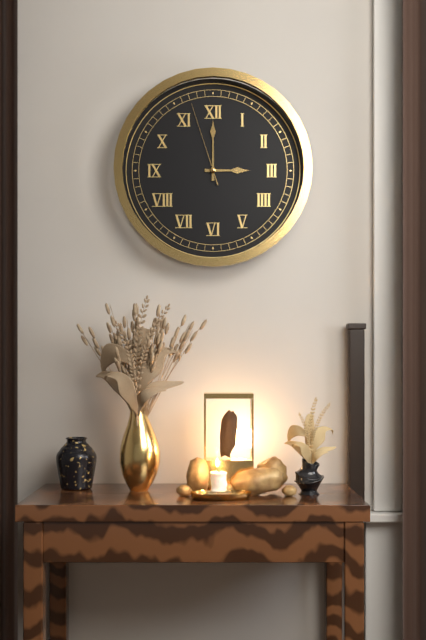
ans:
**3:00:57**
